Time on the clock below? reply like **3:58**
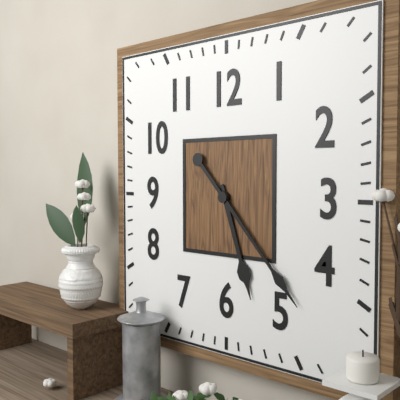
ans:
**5:23**
